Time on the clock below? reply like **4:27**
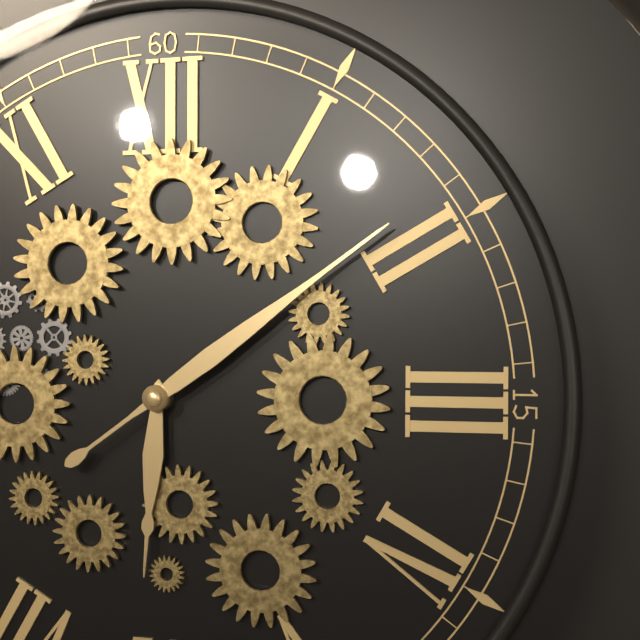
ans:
**6:09**
